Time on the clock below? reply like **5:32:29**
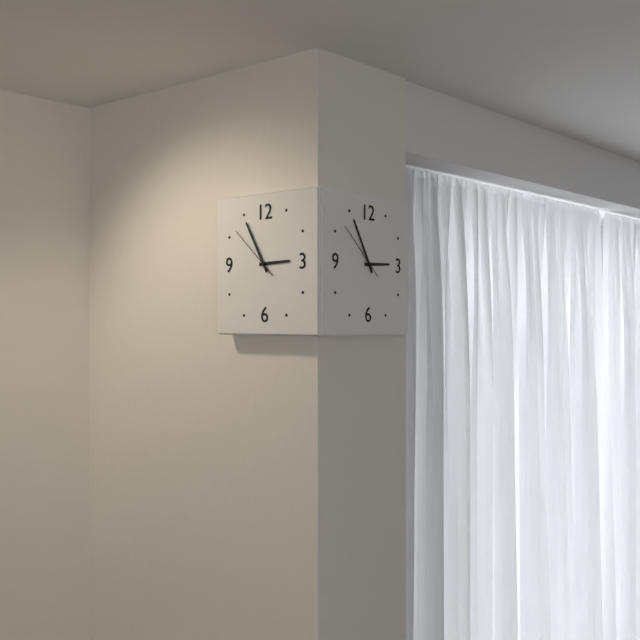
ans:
**2:55:52**
